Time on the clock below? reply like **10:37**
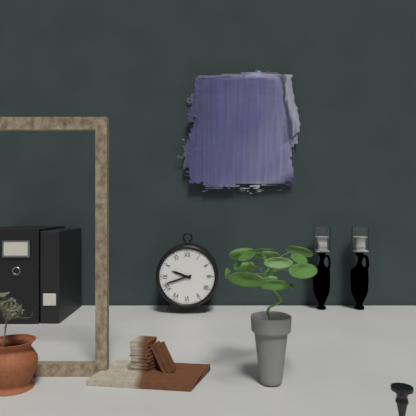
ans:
**9:42**
